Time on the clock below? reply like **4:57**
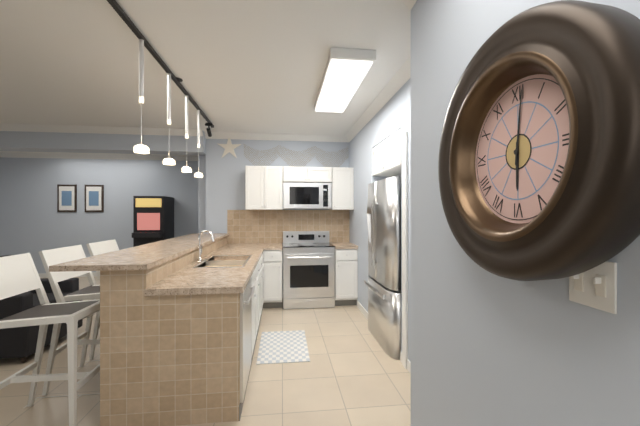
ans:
**6:01**
